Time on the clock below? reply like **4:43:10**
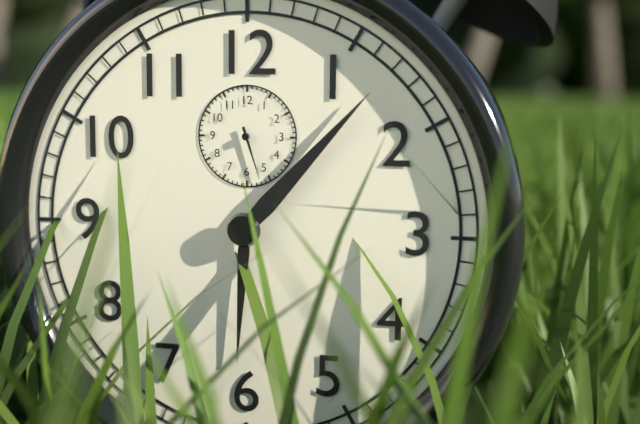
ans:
**6:07:27**
